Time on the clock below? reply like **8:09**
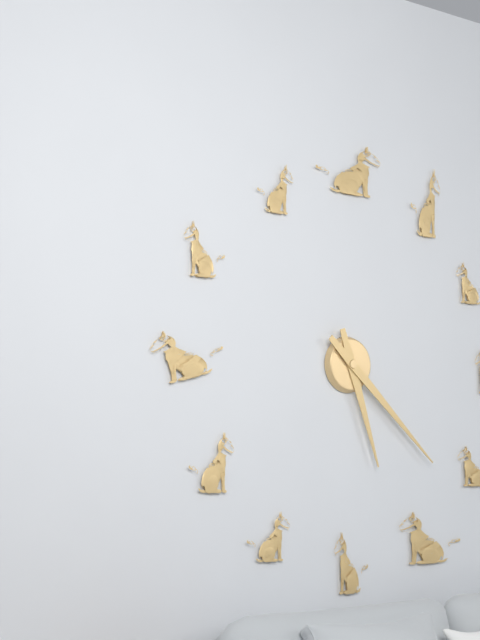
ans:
**5:22**
